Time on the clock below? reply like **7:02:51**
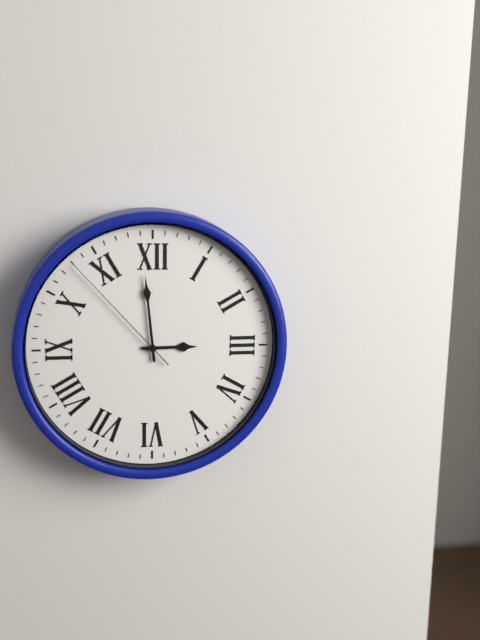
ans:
**2:59:53**
